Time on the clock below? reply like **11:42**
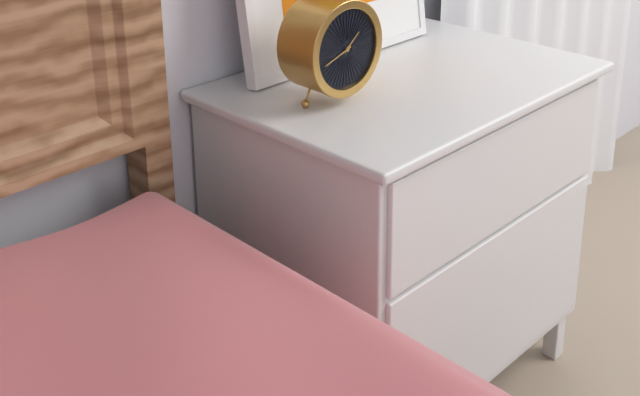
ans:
**1:42**
